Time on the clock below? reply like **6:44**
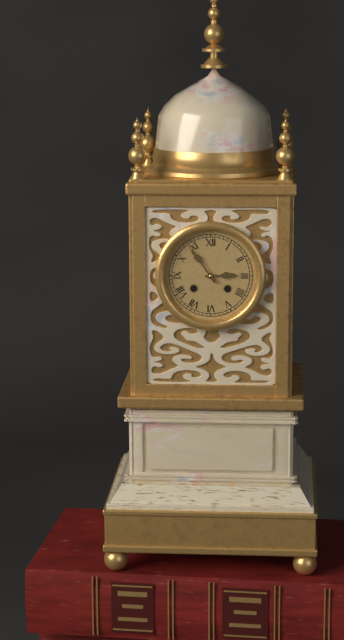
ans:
**2:54**
